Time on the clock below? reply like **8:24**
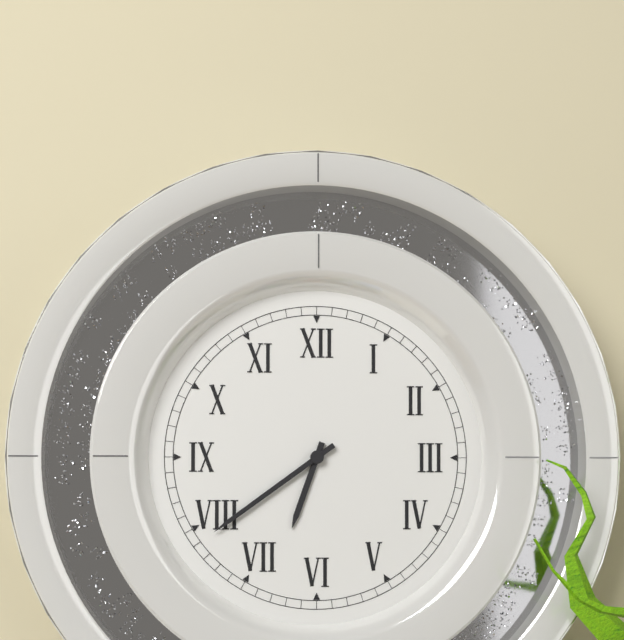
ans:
**6:39**
